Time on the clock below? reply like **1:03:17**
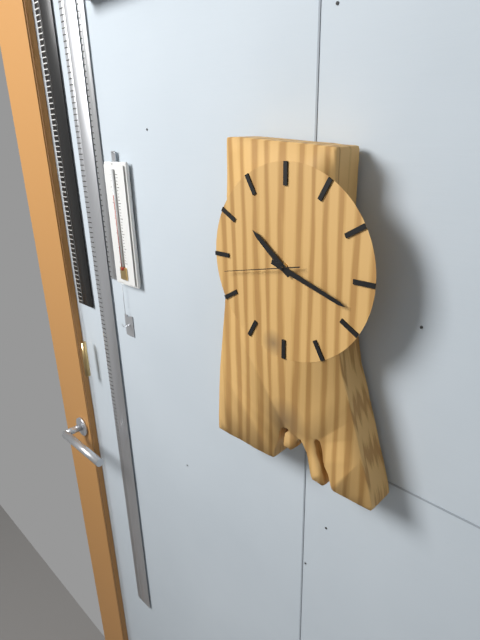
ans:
**10:18:43**
